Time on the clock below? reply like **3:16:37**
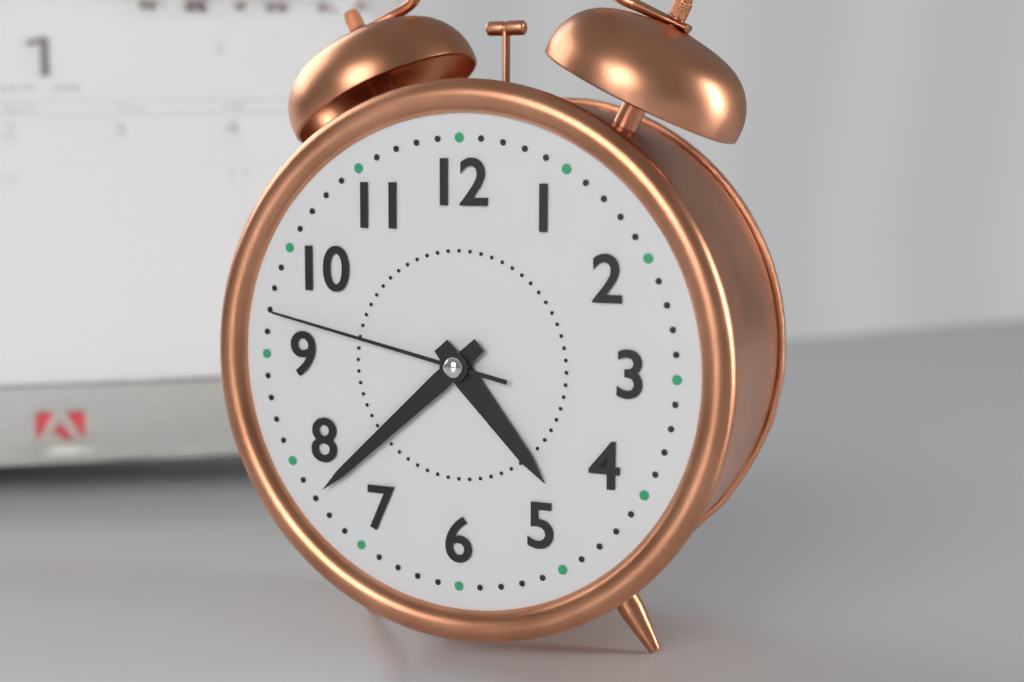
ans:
**4:38:47**
